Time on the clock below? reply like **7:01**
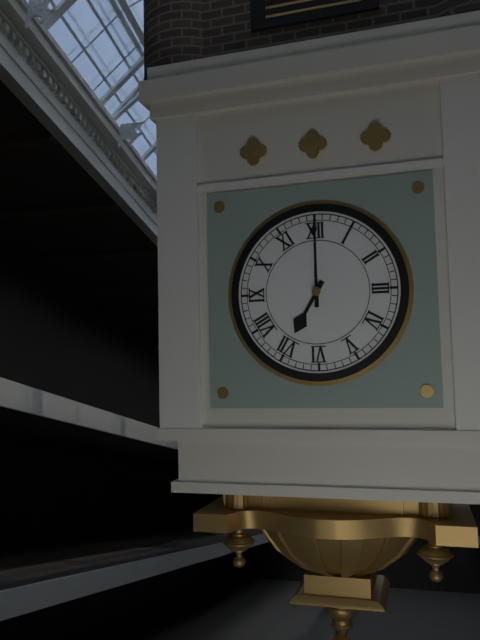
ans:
**7:00**
